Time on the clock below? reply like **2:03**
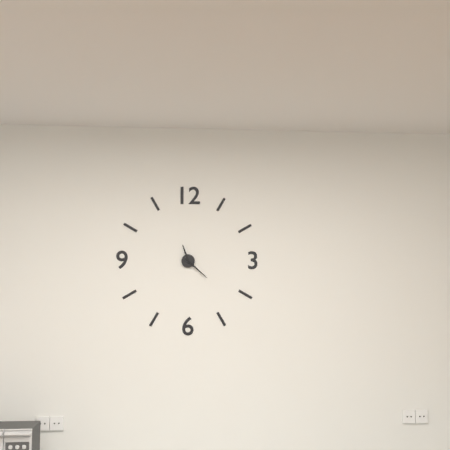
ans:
**11:22**
